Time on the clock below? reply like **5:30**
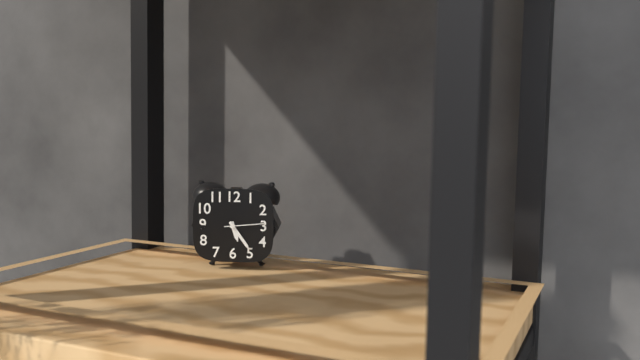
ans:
**5:24**
